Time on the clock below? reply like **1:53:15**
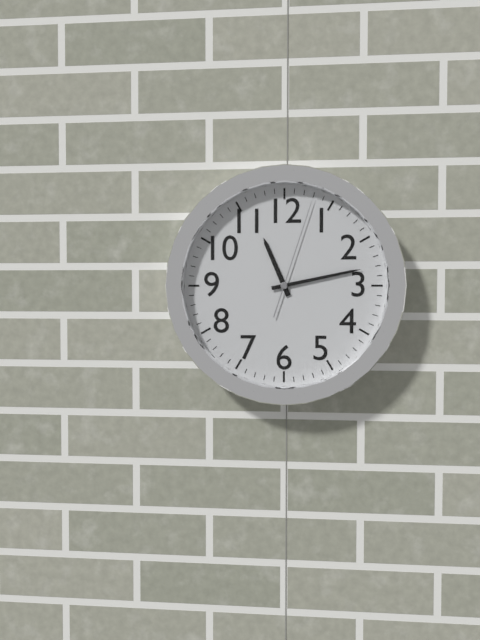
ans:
**11:13:03**
